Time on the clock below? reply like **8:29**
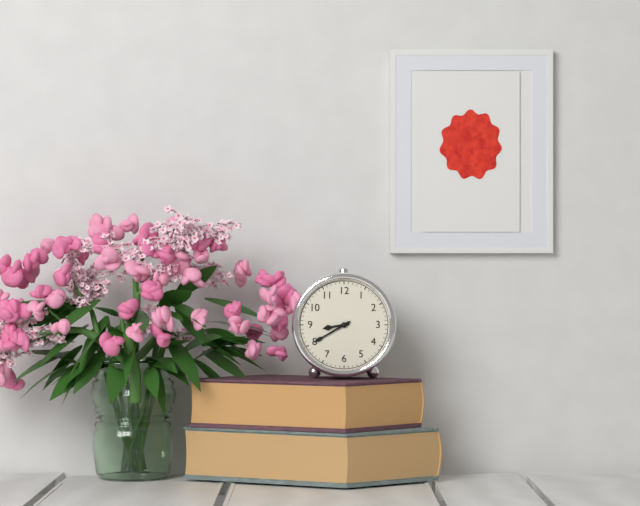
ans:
**8:40**
